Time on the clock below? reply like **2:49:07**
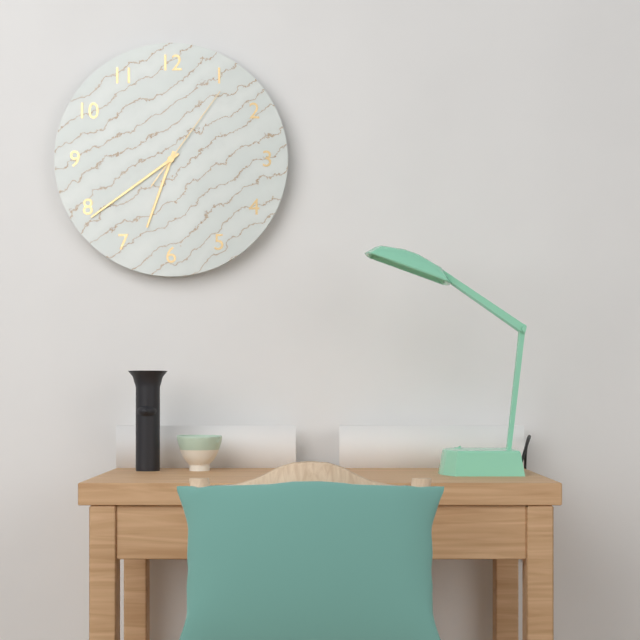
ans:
**6:39:06**
